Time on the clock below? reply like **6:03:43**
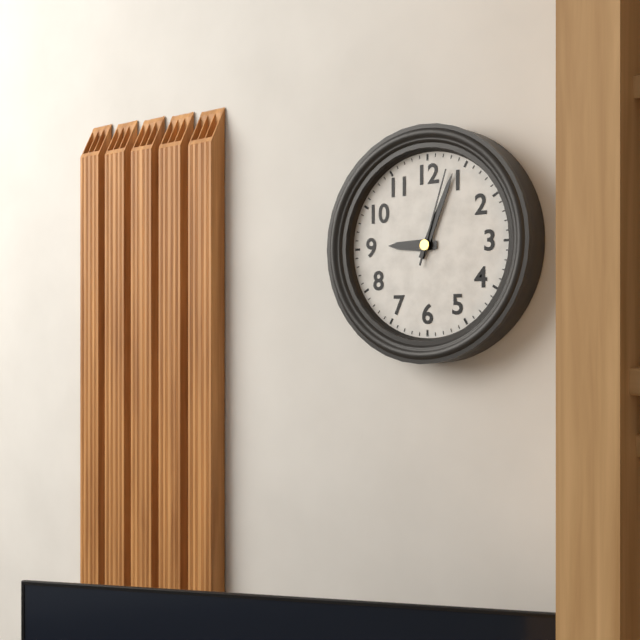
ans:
**9:04:03**
